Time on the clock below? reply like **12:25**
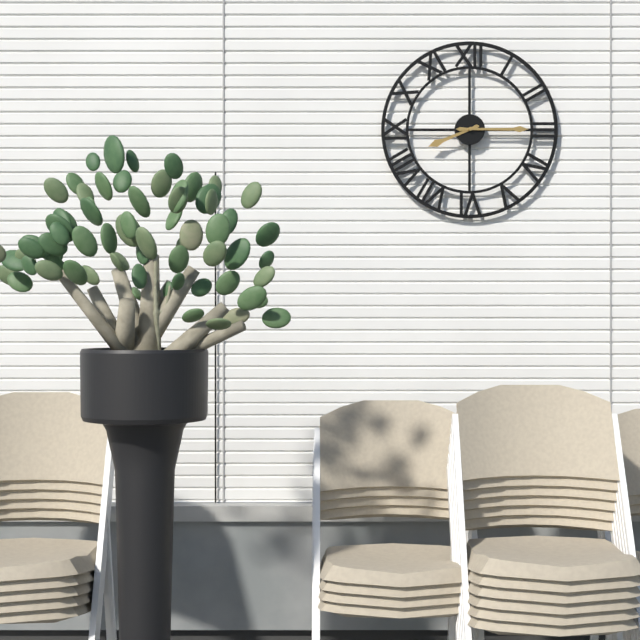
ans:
**8:15**
